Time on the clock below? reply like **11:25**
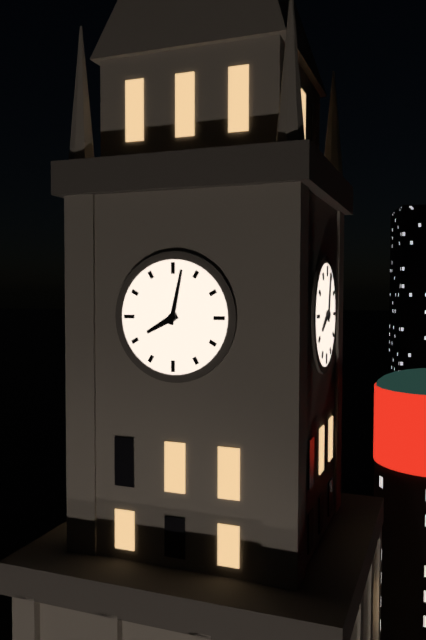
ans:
**8:02**
